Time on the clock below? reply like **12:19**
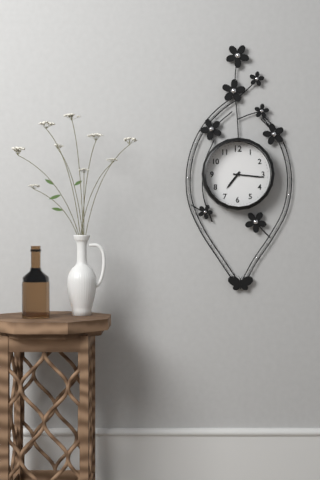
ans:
**7:16**
